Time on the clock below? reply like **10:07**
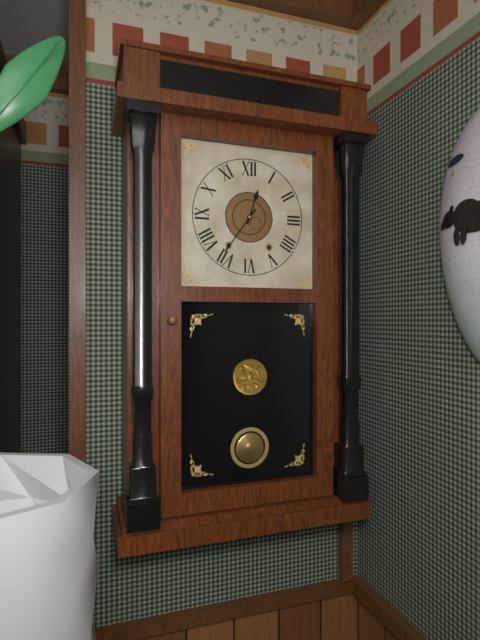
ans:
**12:36**
